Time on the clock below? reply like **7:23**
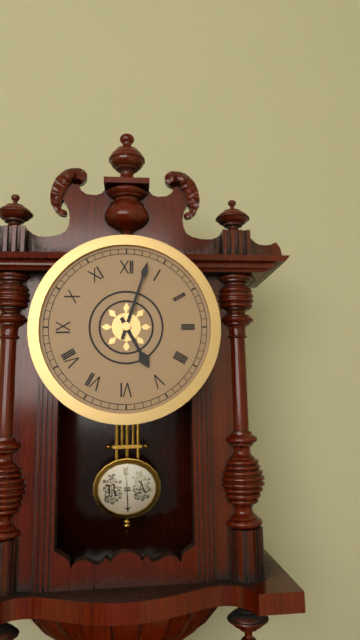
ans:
**5:03**
